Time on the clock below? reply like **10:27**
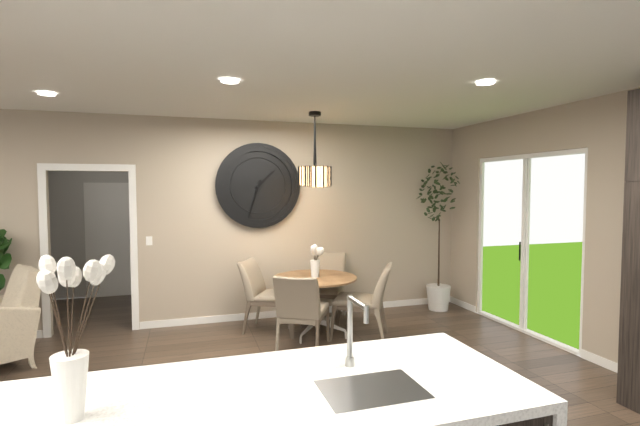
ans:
**1:33**
